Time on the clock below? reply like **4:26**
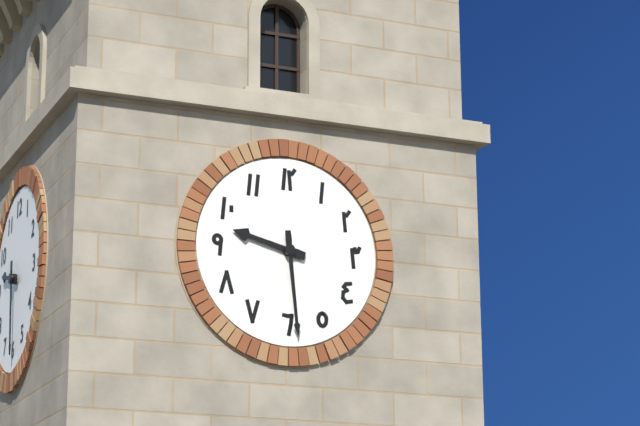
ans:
**9:29**
